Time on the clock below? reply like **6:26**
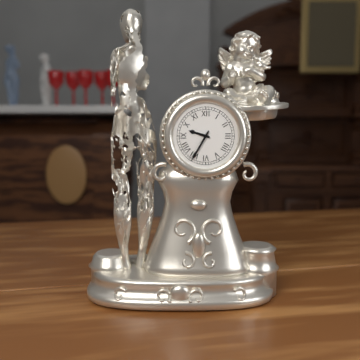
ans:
**9:35**
